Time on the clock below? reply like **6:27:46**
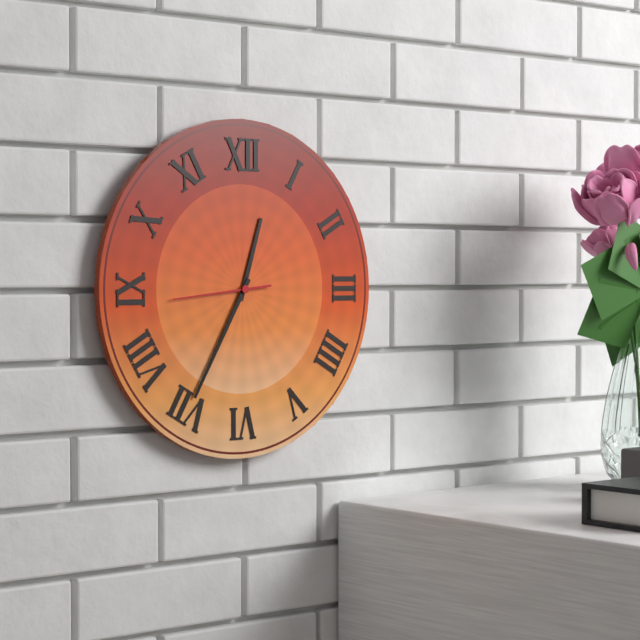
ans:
**12:35:44**
